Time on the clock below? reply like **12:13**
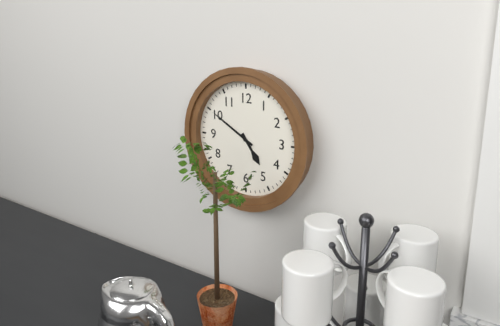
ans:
**4:50**
